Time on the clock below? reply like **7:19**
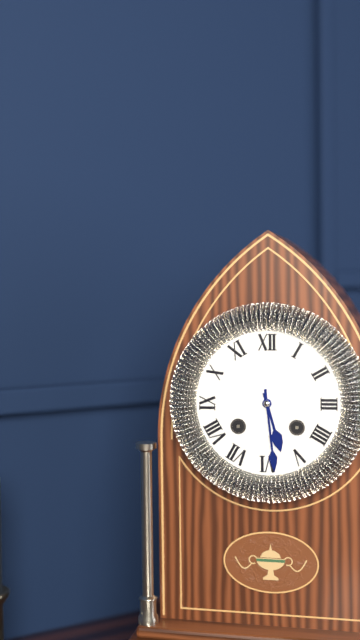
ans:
**5:29**
